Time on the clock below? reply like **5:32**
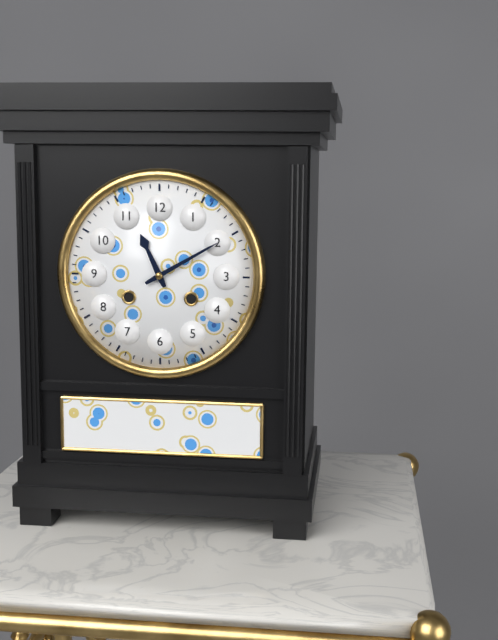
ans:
**11:10**
